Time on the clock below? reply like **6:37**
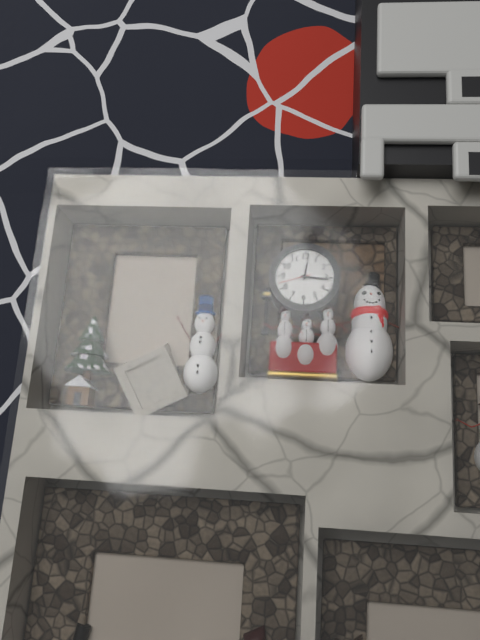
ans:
**12:16**
